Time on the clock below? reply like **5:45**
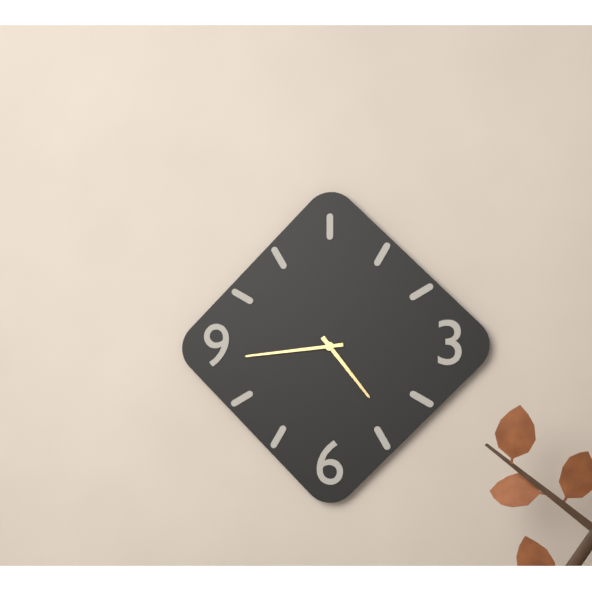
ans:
**4:44**
